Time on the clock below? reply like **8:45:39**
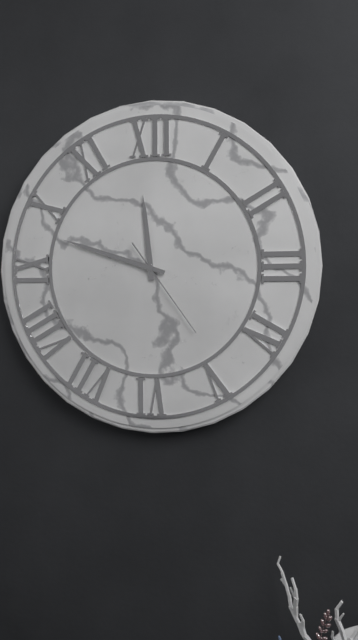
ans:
**11:48:24**
